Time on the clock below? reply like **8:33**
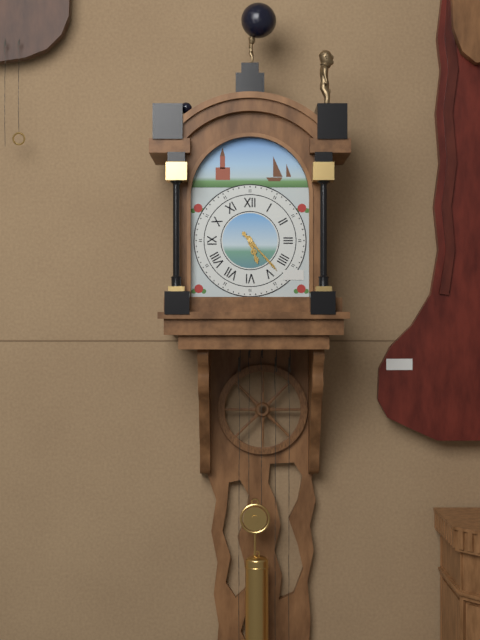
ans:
**5:23**
